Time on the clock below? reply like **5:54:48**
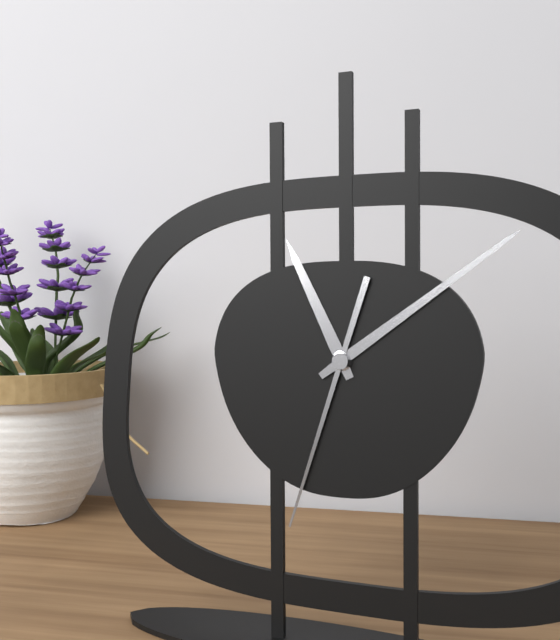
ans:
**11:09:33**
